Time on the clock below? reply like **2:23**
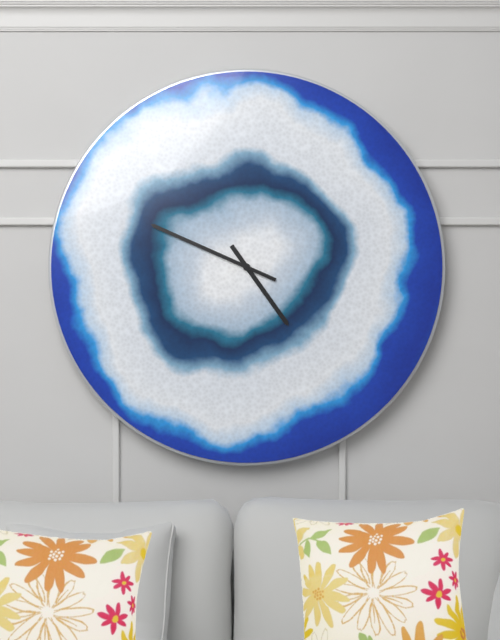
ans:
**4:49**
